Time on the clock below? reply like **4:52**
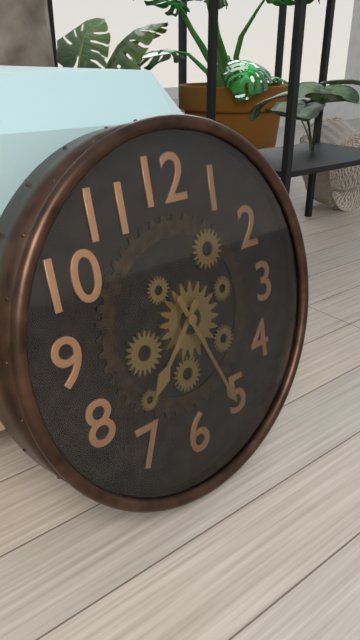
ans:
**7:26**
